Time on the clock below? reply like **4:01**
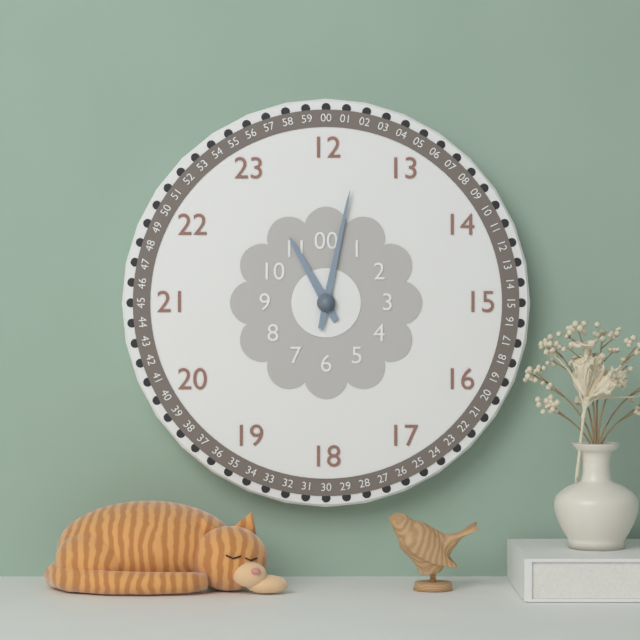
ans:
**11:02**
